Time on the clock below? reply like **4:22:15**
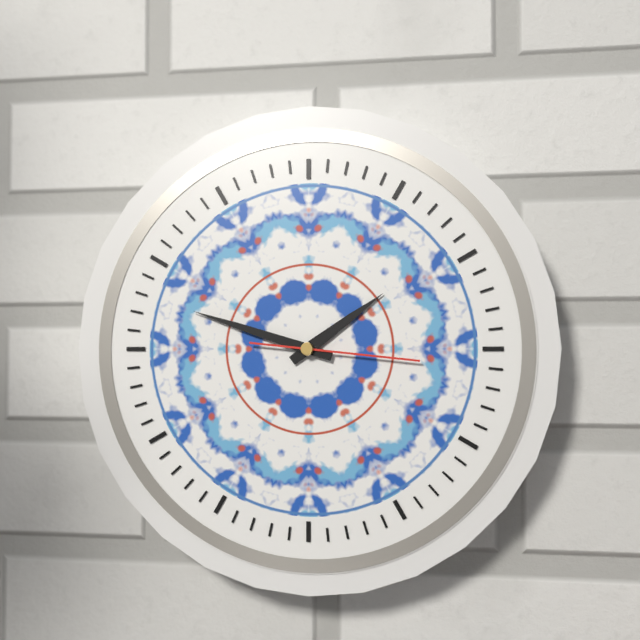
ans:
**1:48:16**
